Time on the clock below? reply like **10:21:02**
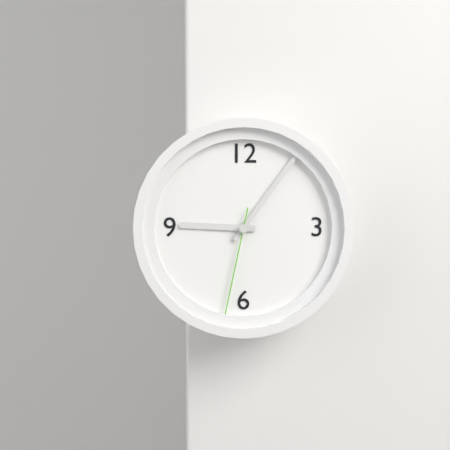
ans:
**9:06:32**
